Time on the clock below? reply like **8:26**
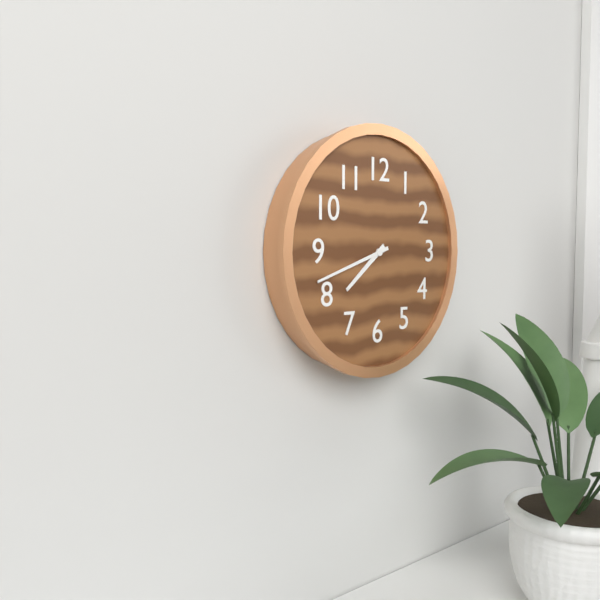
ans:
**7:42**
